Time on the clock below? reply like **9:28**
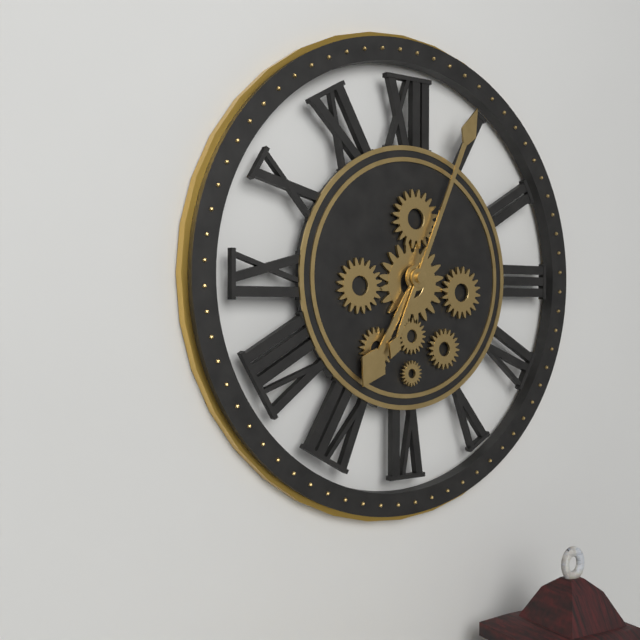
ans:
**7:04**
